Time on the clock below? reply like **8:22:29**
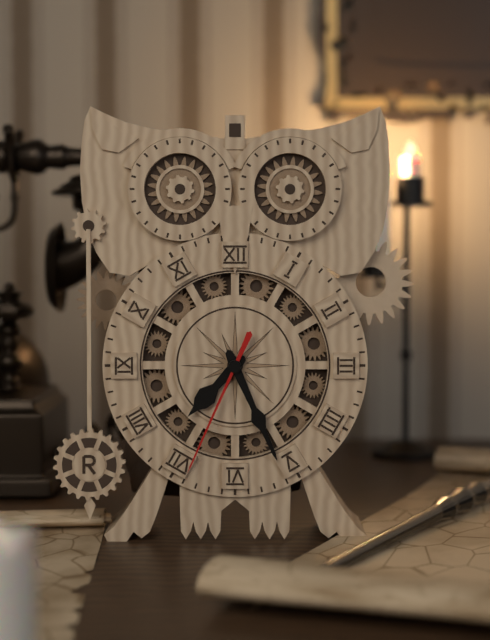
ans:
**7:26:34**
